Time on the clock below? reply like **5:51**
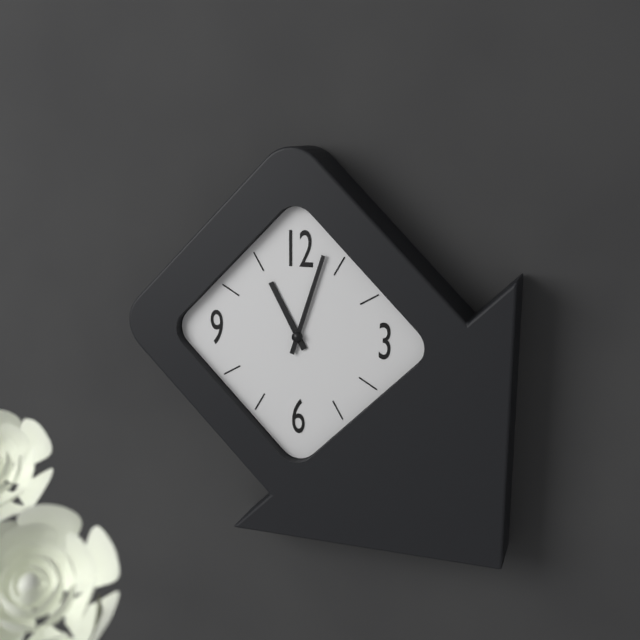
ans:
**11:03**
